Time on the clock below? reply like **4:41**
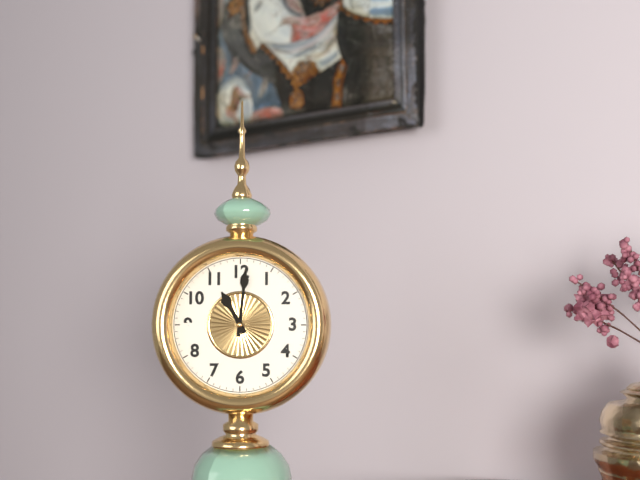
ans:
**11:01**
